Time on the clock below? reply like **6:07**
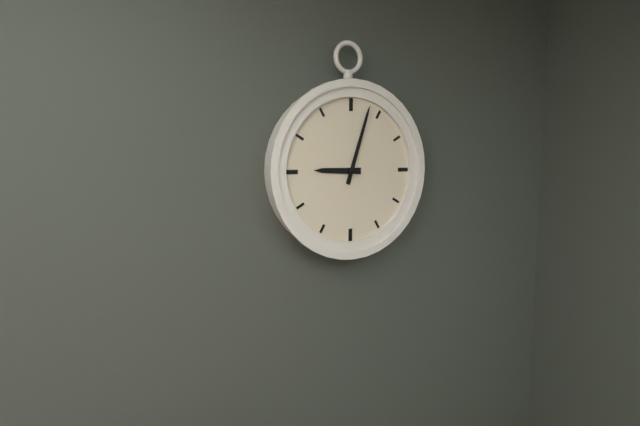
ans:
**9:03**
